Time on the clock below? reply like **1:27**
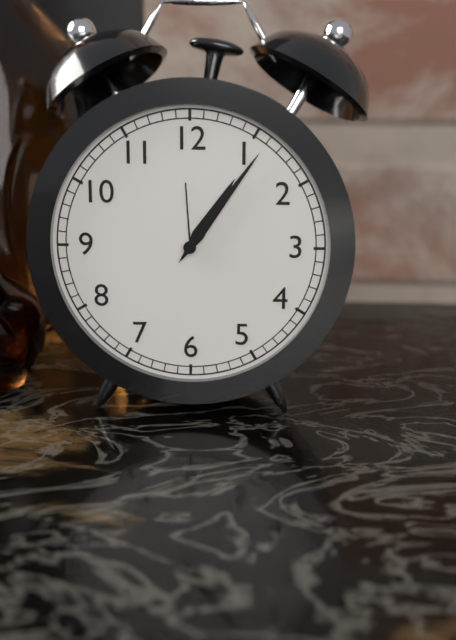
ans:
**1:06**
